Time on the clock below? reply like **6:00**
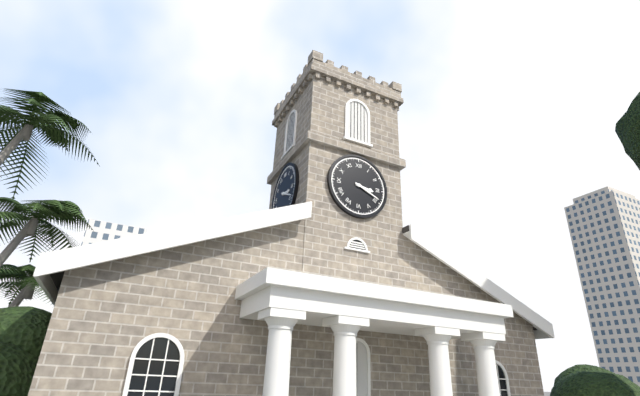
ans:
**3:19**
